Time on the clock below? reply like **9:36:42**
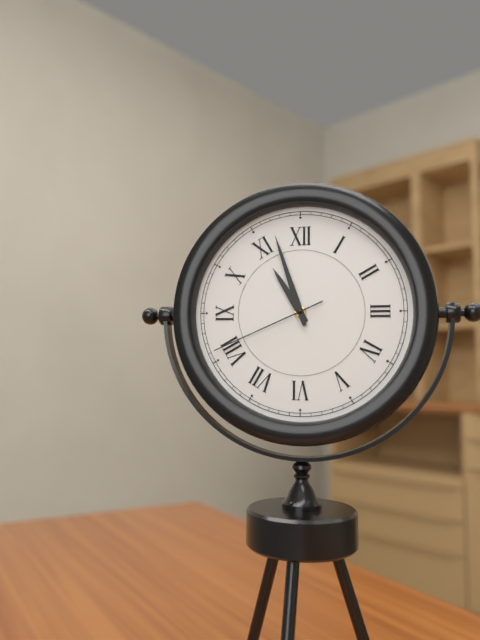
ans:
**10:57:41**
